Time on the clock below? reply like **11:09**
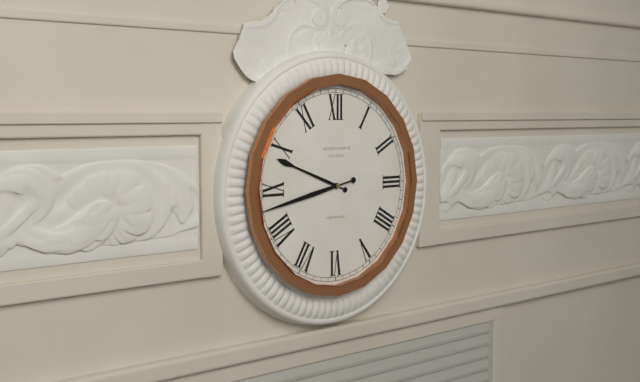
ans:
**9:43**
